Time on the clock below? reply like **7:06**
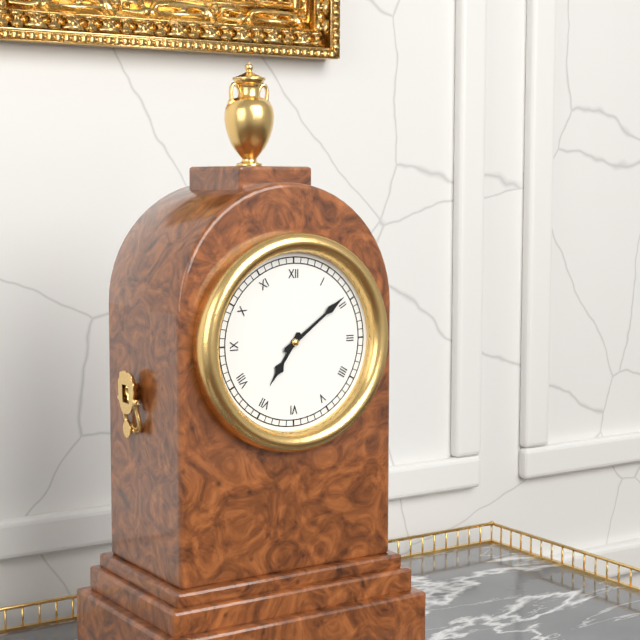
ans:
**7:09**
